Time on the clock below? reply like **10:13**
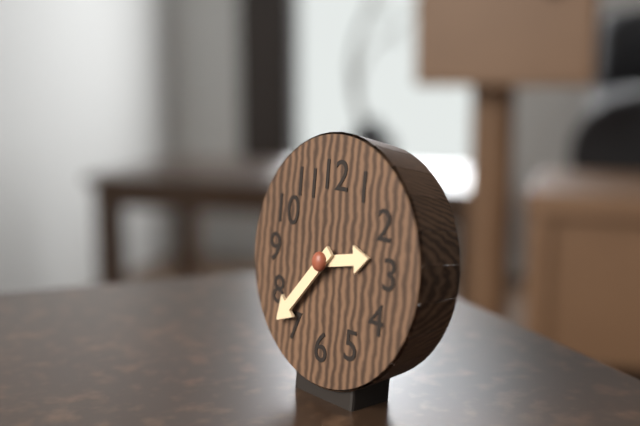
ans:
**2:37**
